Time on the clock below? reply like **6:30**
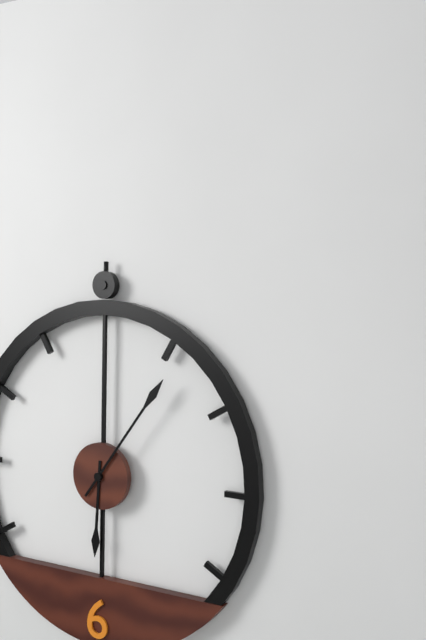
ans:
**6:06**
